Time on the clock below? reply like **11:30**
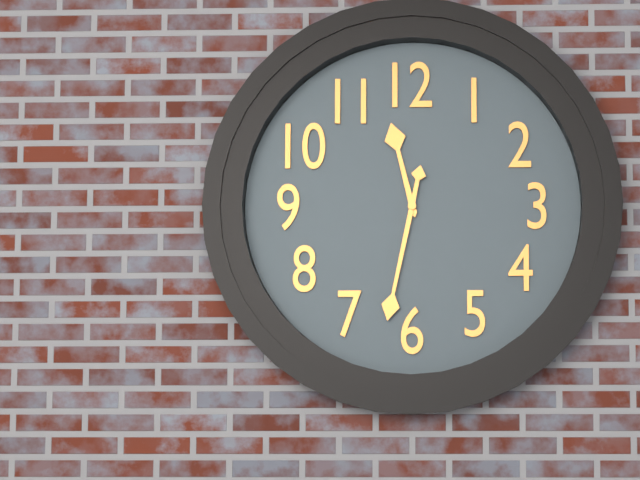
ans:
**11:32**
